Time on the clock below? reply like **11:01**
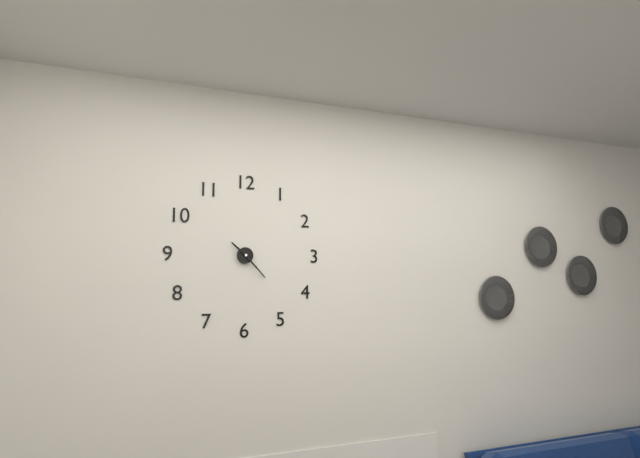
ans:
**10:23**
